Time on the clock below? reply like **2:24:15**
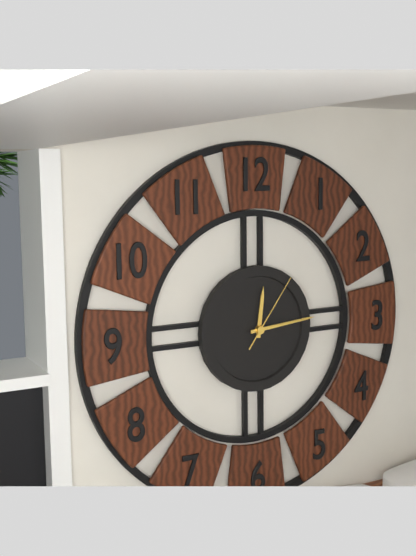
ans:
**12:14:06**
